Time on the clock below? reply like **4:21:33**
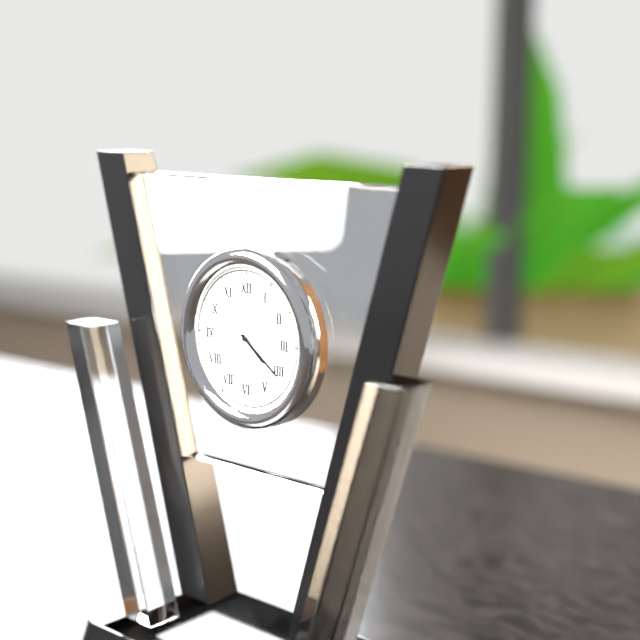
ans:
**4:21:46**
